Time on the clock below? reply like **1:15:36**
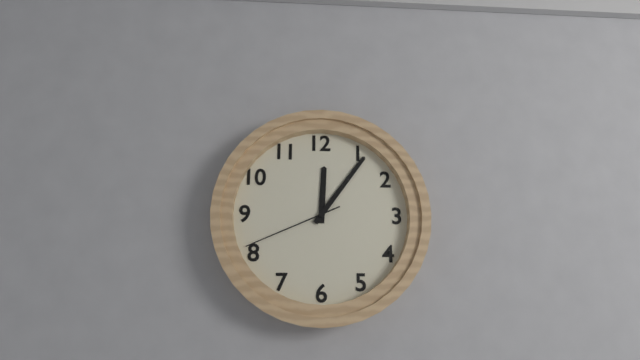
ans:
**12:06:41**
